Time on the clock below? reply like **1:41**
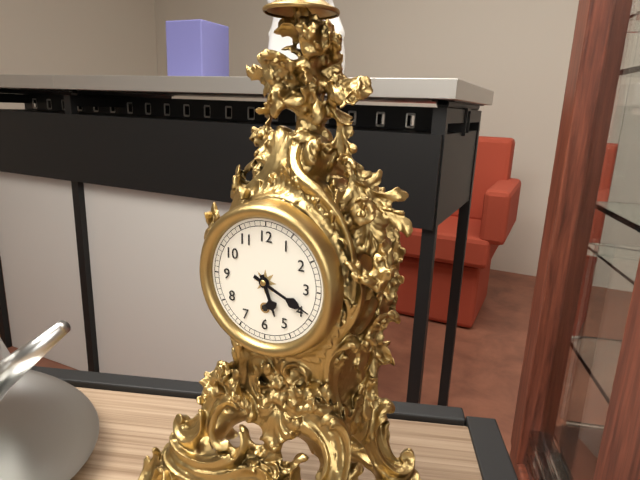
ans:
**5:19**
